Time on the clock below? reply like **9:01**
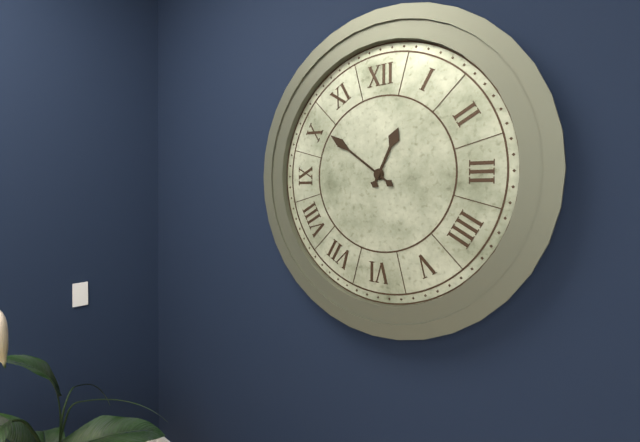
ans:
**12:51**
